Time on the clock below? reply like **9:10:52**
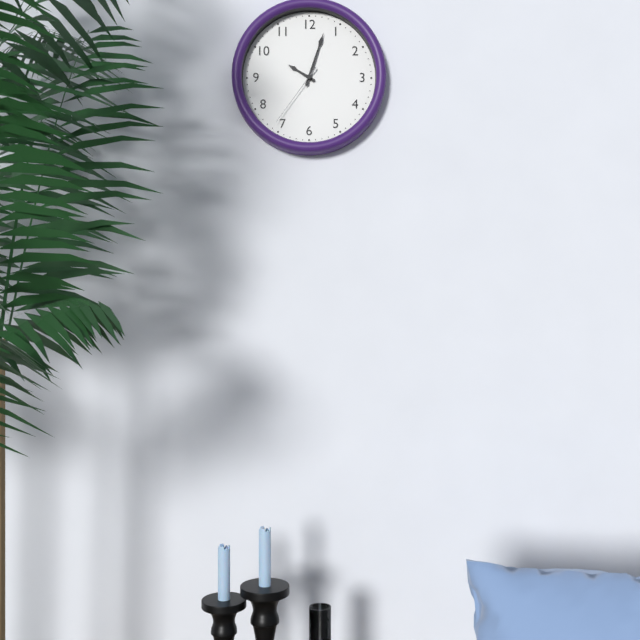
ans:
**10:03:36**
